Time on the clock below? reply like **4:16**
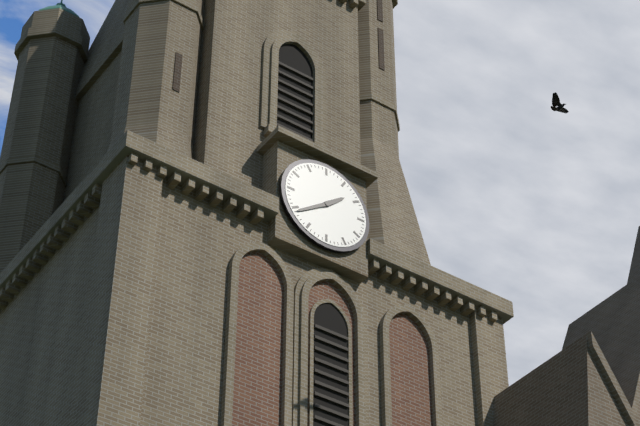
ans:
**1:39**
